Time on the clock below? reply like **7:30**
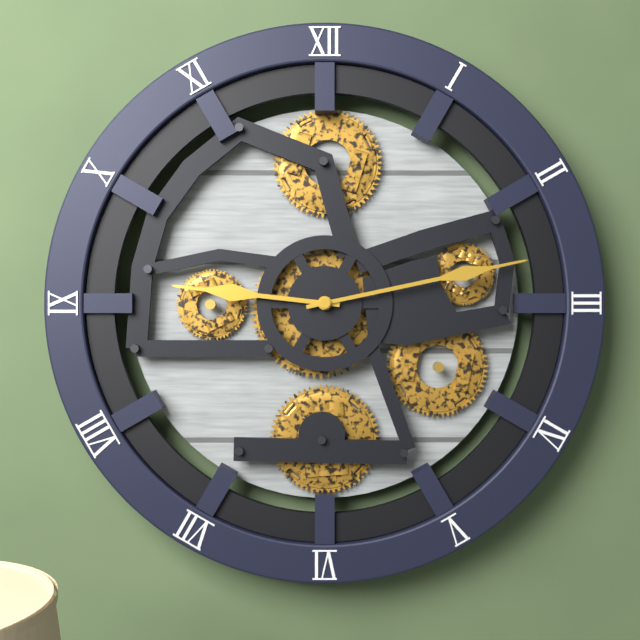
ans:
**9:13**
